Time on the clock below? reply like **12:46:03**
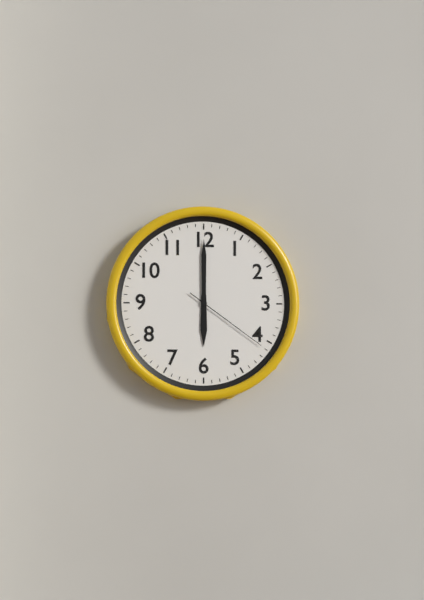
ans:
**6:00:21**
